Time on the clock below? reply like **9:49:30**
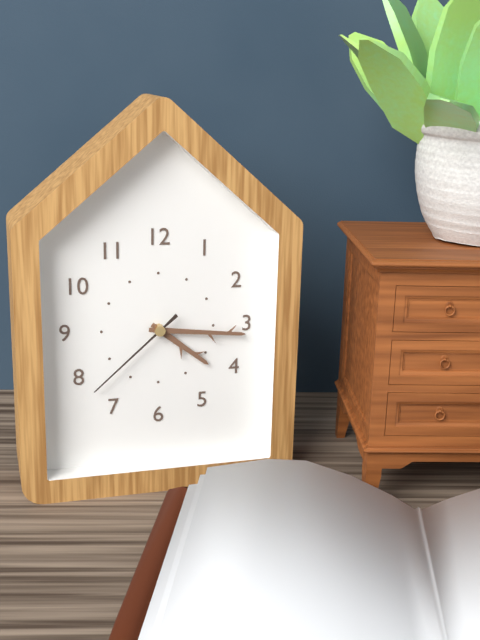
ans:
**4:16:38**
